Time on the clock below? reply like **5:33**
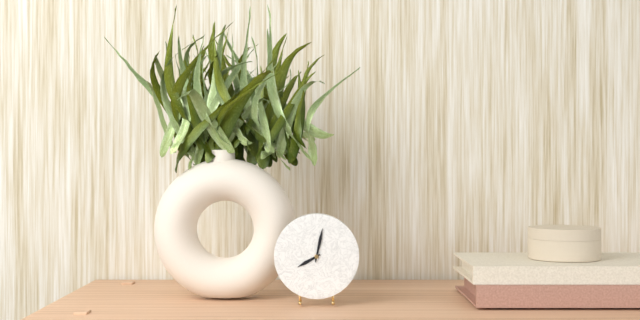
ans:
**8:02**
